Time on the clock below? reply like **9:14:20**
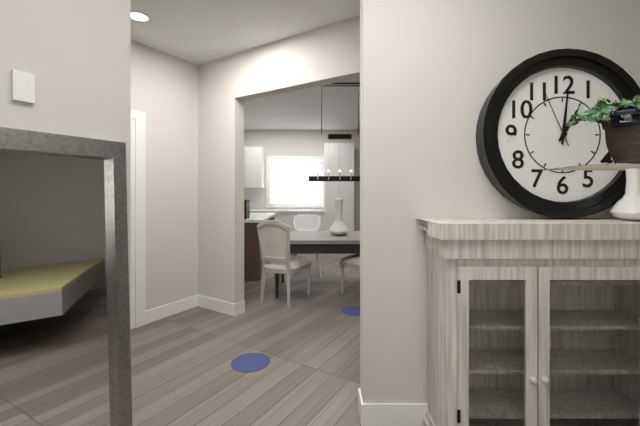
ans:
**1:01:56**
